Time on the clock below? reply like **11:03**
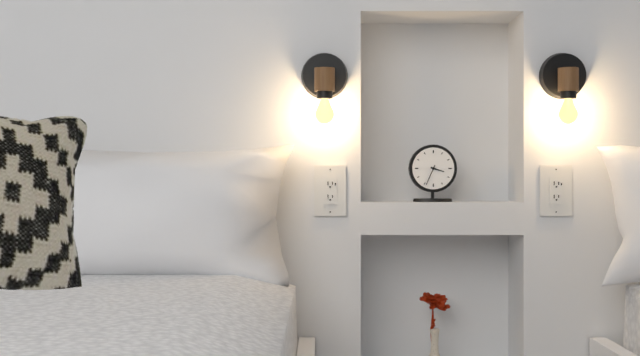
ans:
**3:34**
